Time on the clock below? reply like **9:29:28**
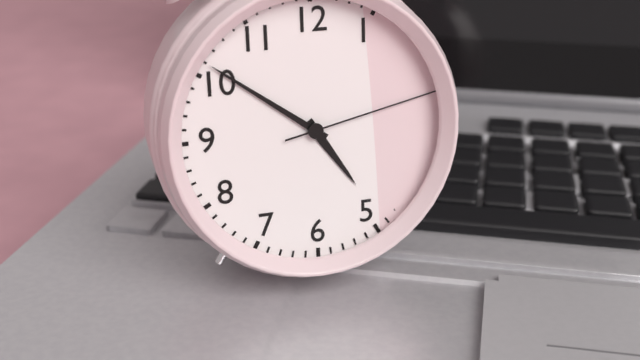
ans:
**4:51:13**
